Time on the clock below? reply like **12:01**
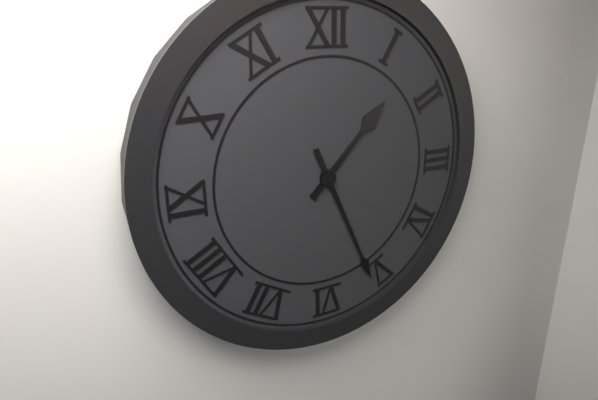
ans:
**1:26**
